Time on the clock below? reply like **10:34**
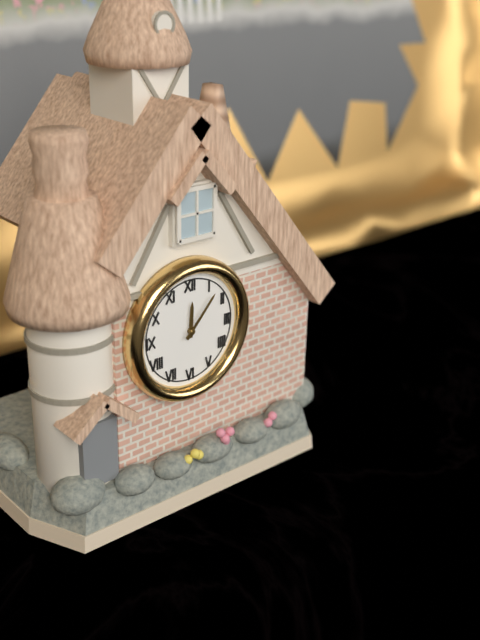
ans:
**12:07**
